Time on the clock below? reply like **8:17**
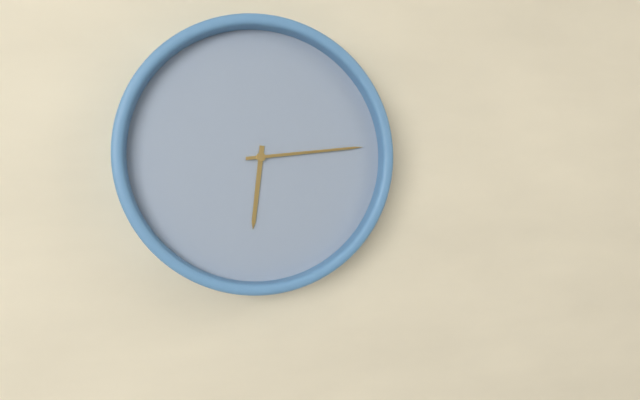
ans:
**6:14**
